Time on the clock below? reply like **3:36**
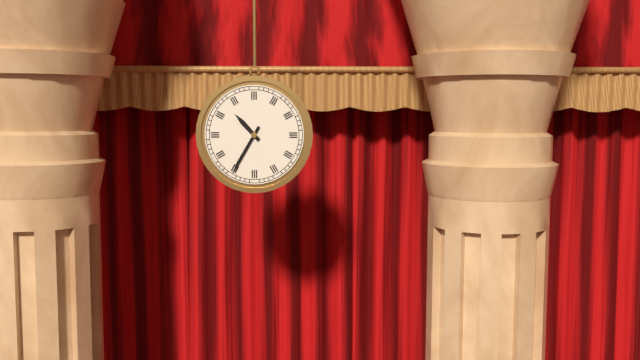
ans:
**10:35**
